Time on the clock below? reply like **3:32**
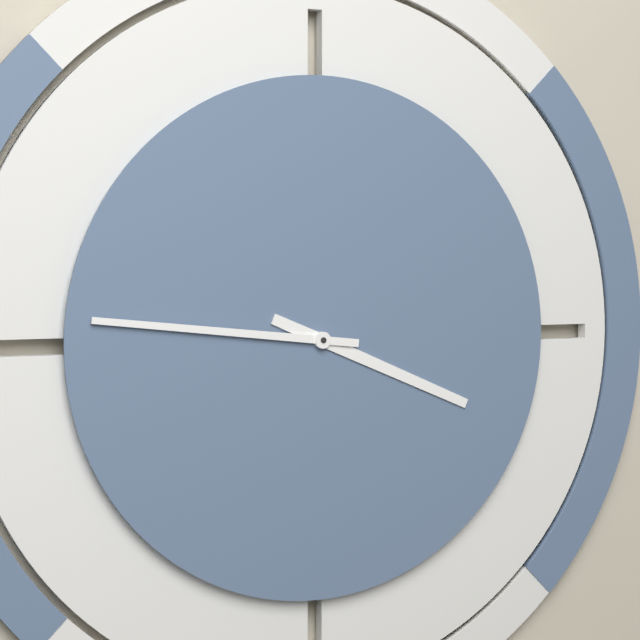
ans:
**3:46**
